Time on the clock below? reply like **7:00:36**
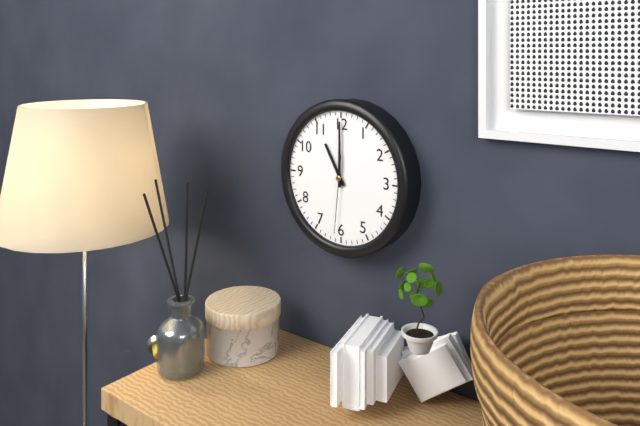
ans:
**11:00:31**
